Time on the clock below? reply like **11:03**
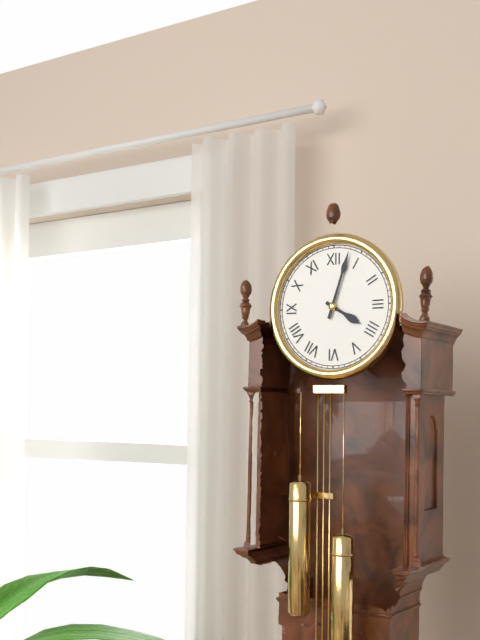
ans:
**4:03**
